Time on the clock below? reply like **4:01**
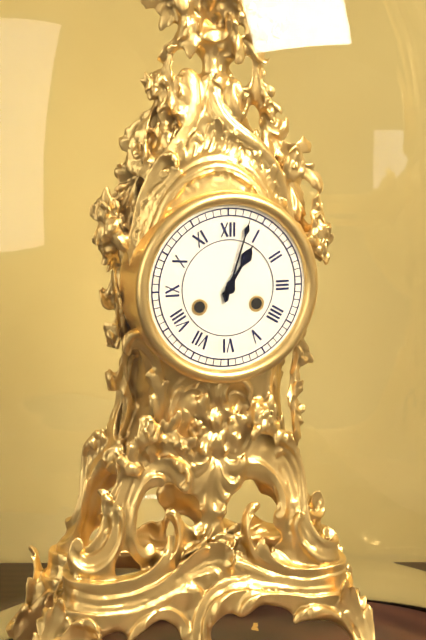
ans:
**1:03**
